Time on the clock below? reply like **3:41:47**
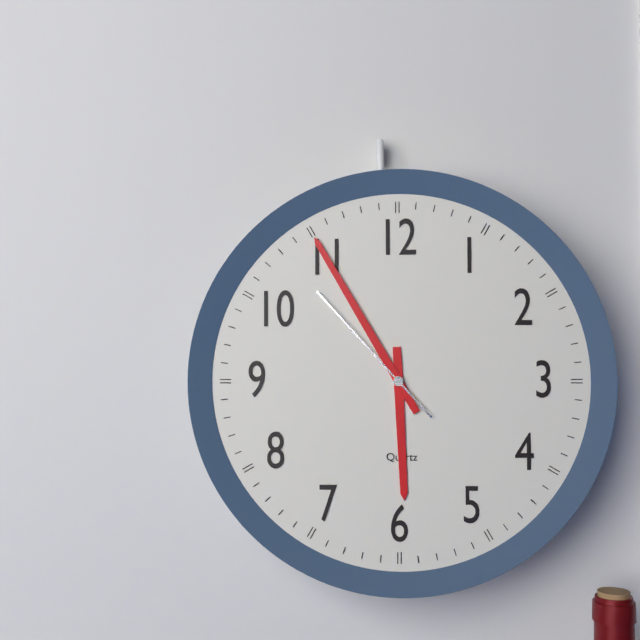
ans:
**5:55:53**
